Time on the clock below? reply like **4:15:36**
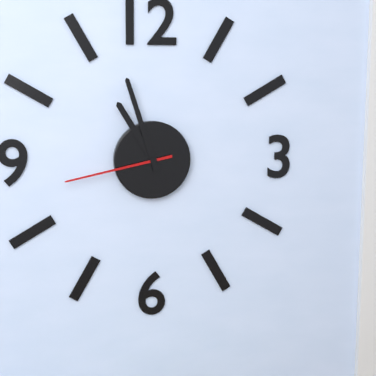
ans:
**10:57:43**
